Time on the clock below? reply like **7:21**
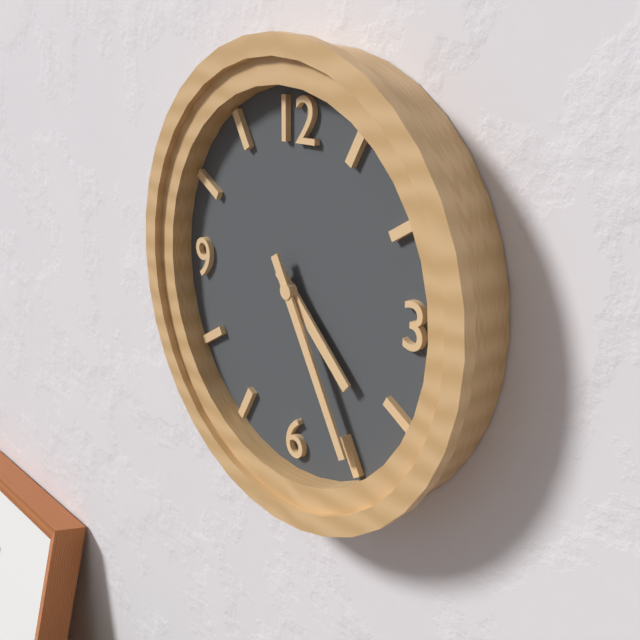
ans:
**4:25**
